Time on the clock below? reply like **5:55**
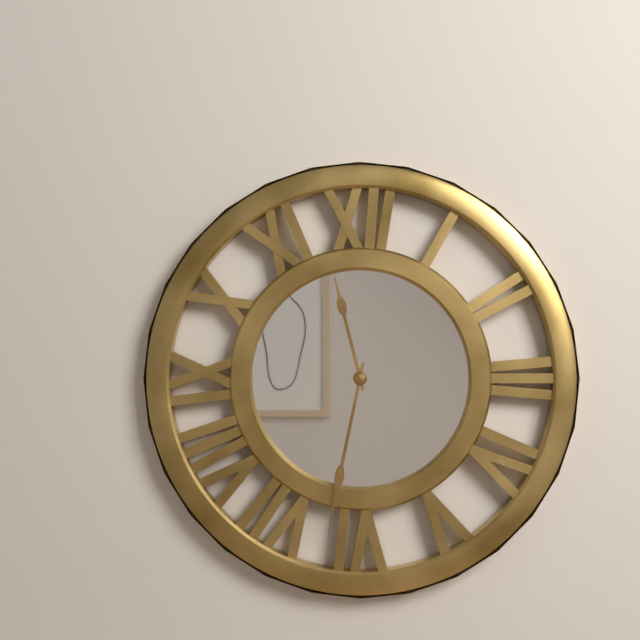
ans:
**11:32**
